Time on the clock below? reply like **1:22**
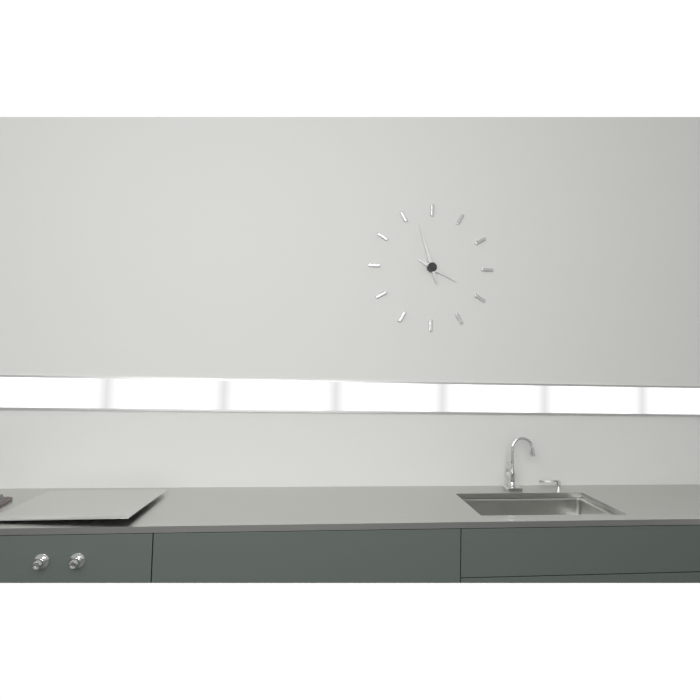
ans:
**3:57**
